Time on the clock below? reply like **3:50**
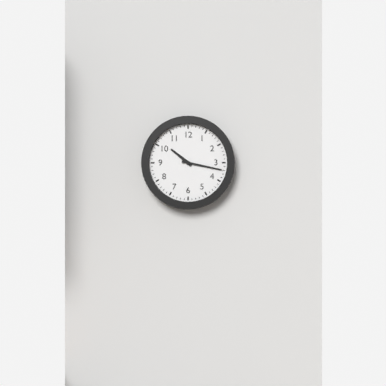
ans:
**10:17**
